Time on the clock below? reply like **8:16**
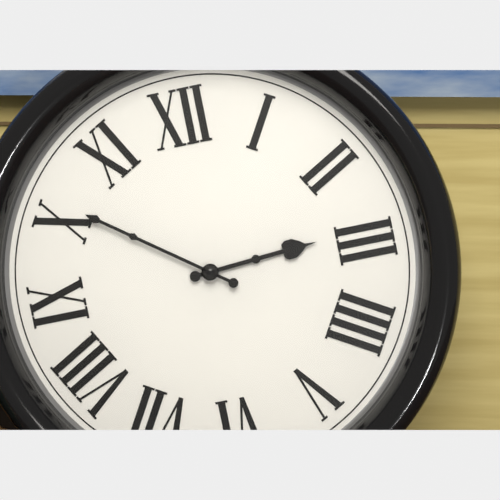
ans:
**2:51**
